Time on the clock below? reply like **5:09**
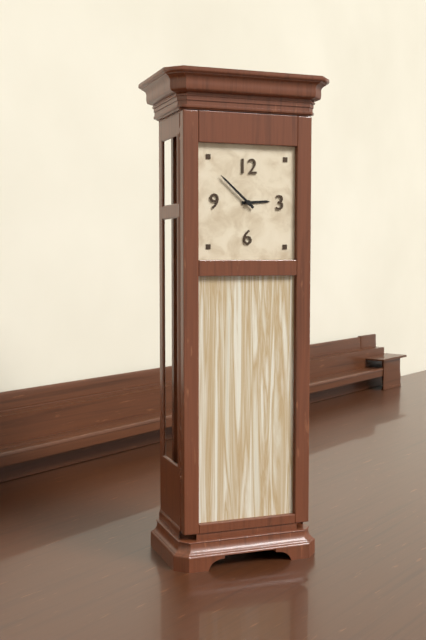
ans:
**2:52**
